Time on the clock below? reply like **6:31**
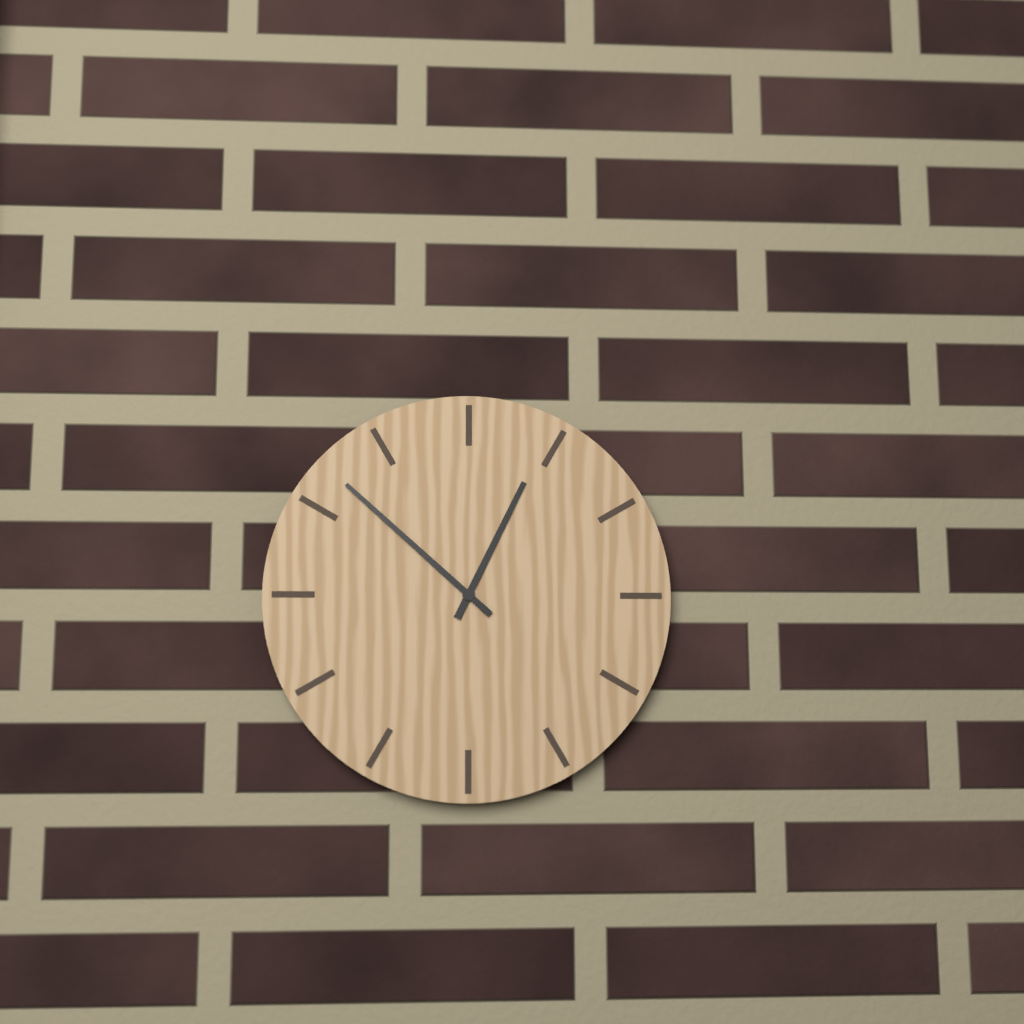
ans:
**12:52**
